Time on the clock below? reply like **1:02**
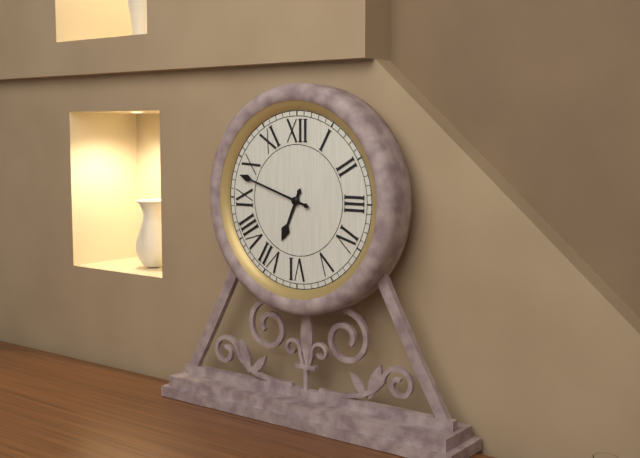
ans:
**6:48**
